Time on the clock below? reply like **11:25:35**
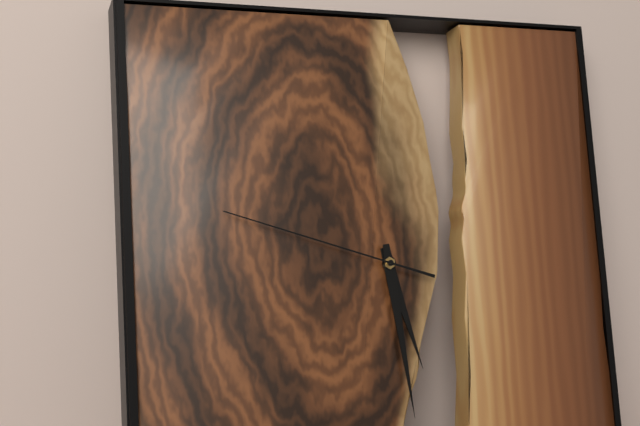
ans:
**5:29:48**
